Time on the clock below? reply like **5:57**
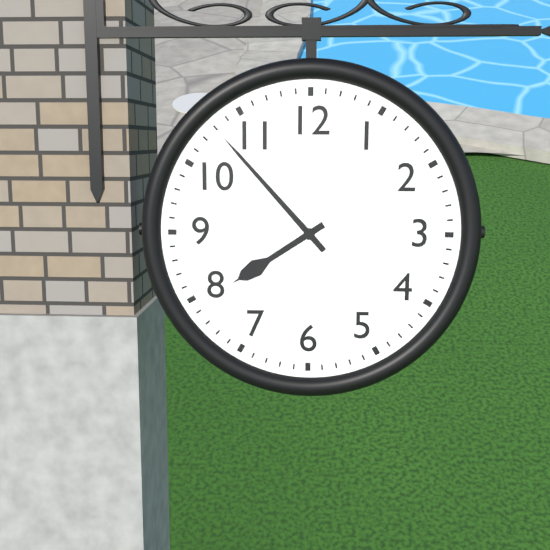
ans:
**7:53**
